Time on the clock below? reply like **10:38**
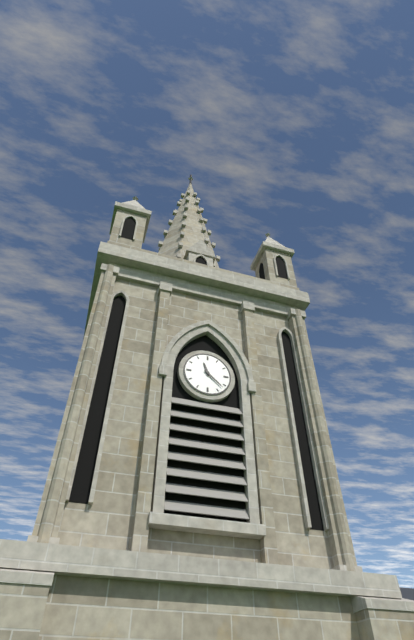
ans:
**11:22**
